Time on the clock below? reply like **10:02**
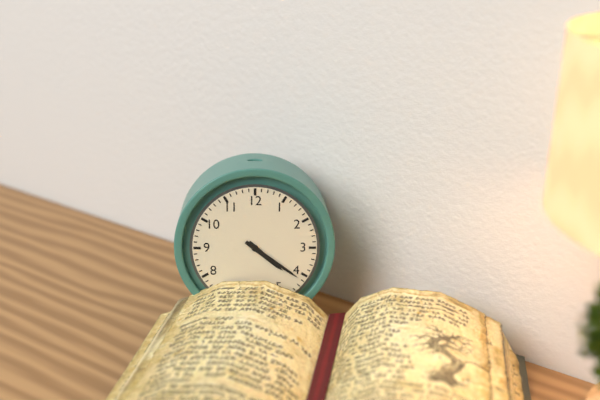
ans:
**4:21**
